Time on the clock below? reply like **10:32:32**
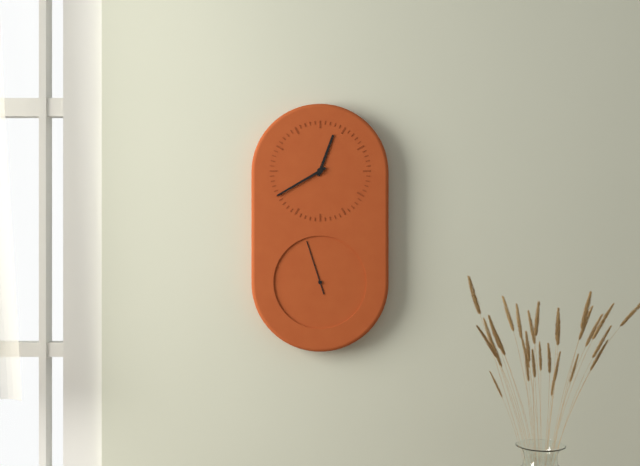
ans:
**12:40:57**
